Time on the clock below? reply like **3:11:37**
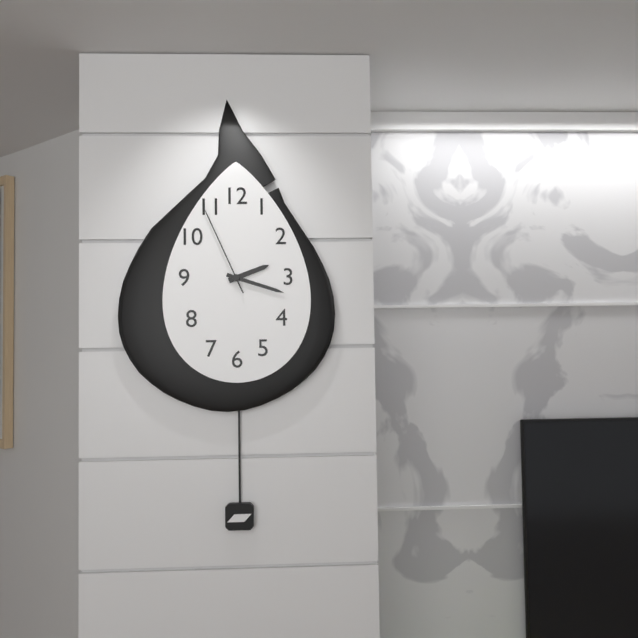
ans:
**2:18:56**
